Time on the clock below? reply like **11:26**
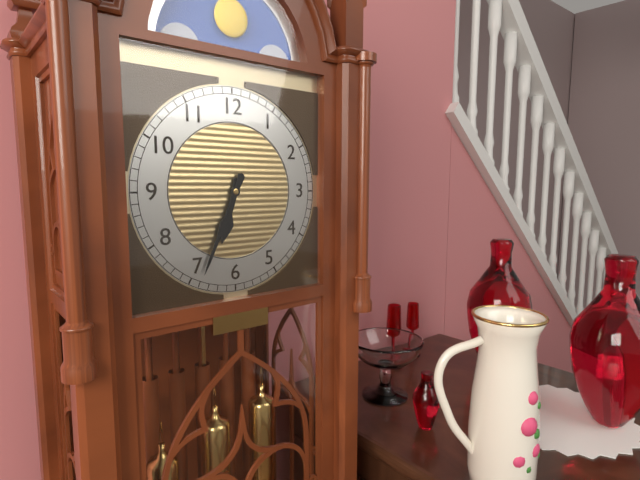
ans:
**6:34**
